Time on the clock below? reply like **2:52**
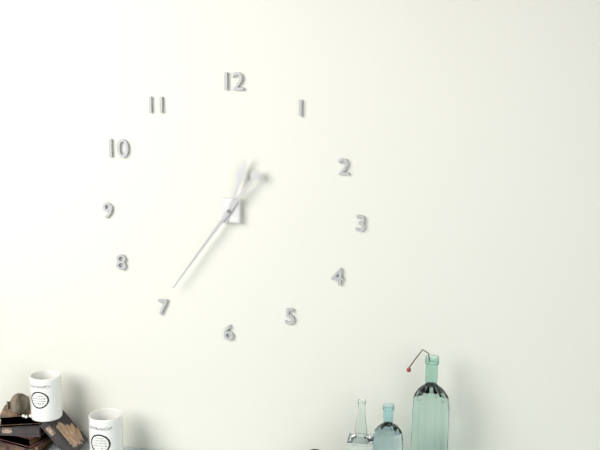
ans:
**12:36**
